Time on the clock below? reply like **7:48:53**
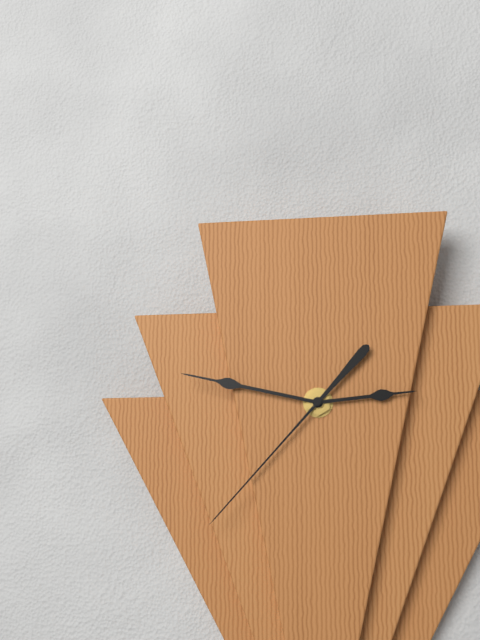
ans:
**2:47:37**
